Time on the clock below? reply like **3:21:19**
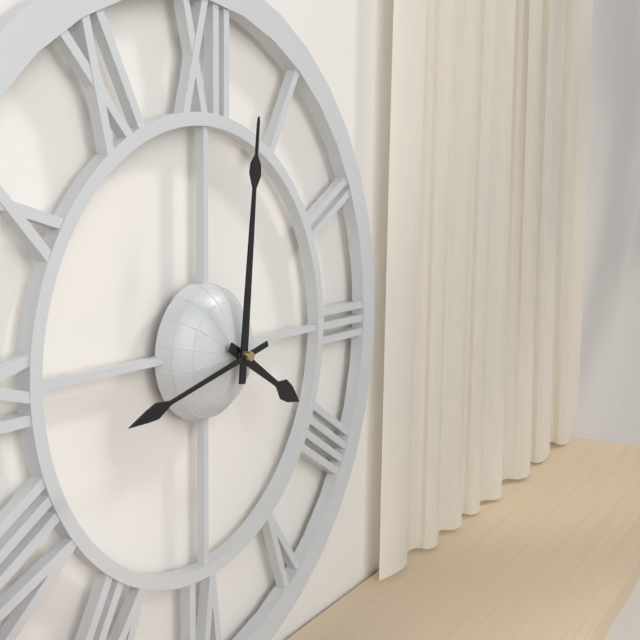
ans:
**4:01:43**
